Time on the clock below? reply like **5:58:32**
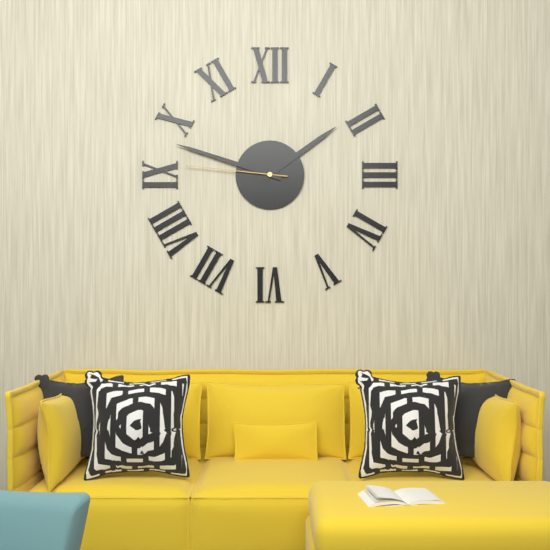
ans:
**1:48:46**
